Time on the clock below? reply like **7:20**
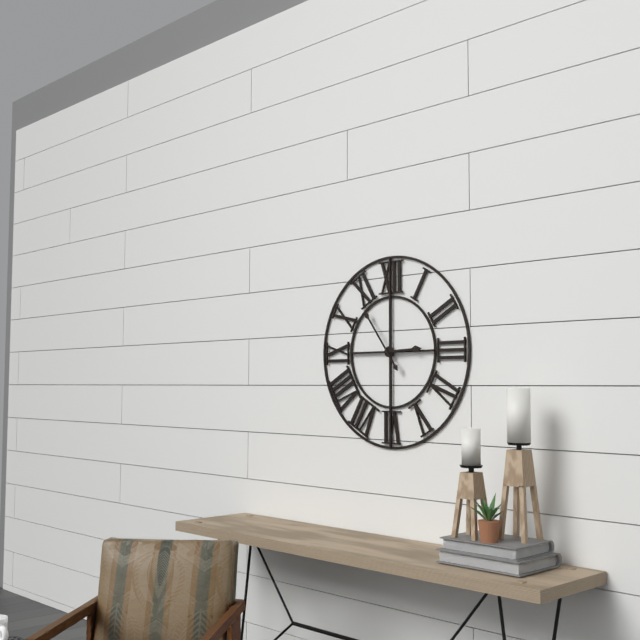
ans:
**2:54**
